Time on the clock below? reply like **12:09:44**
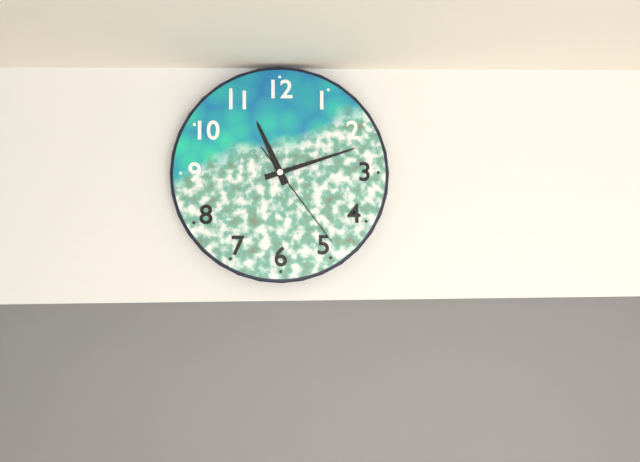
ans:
**11:12:24**
